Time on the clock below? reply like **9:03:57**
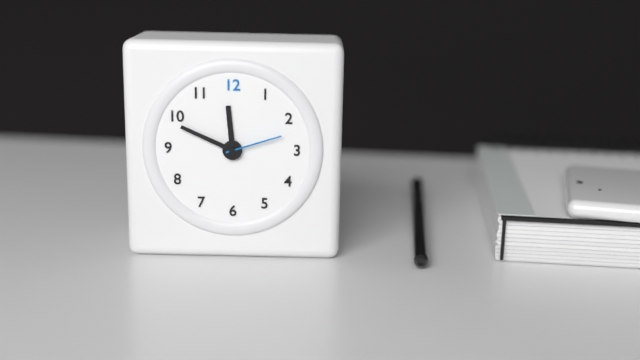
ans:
**11:49:12**
